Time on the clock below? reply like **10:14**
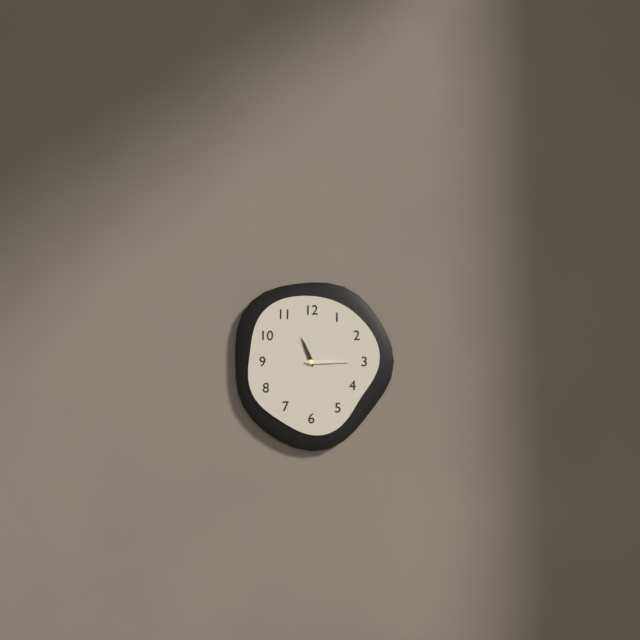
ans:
**11:15**
